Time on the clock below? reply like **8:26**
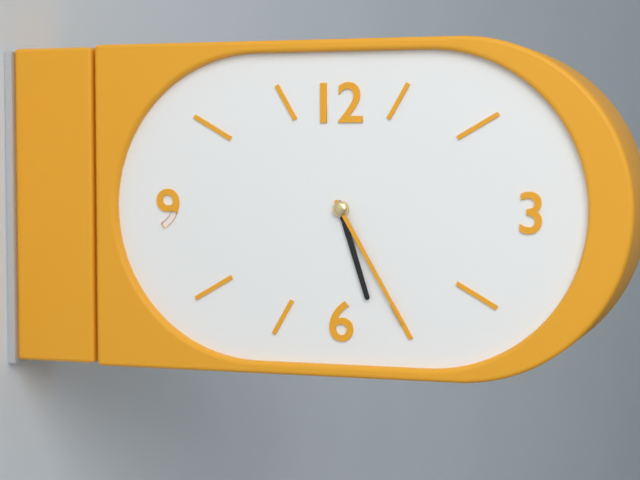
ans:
**5:25**
